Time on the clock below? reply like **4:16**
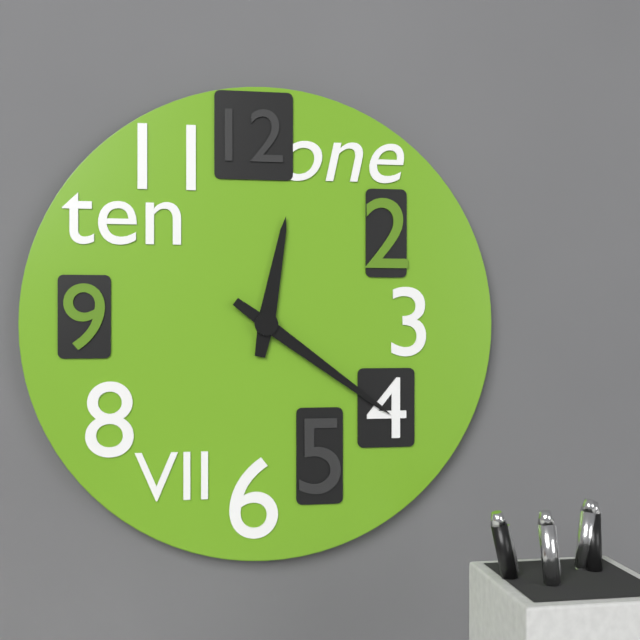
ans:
**12:21**
